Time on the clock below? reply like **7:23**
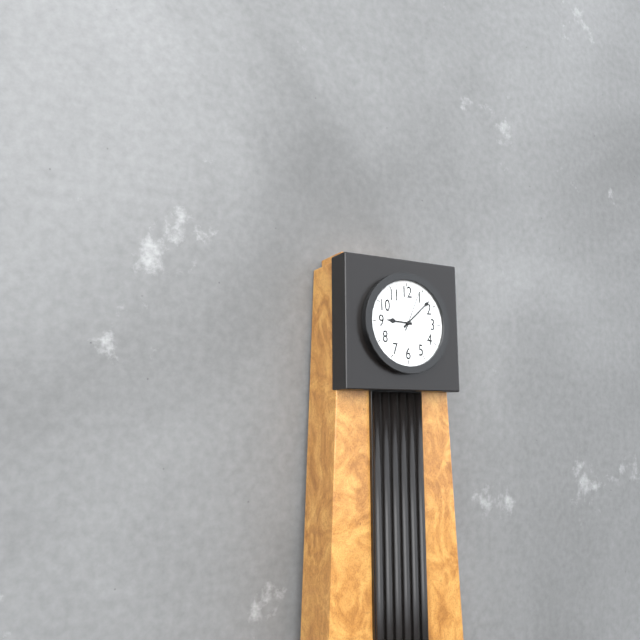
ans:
**9:08**
